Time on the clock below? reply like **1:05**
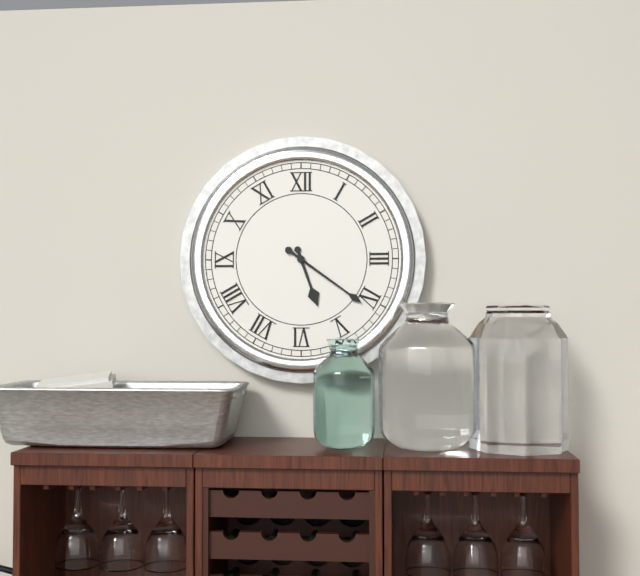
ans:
**5:21**
